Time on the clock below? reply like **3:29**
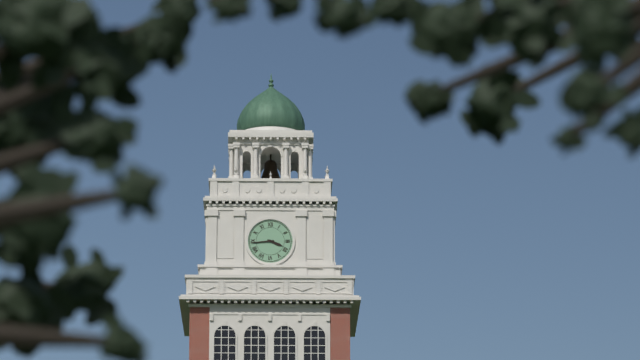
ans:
**3:44**
